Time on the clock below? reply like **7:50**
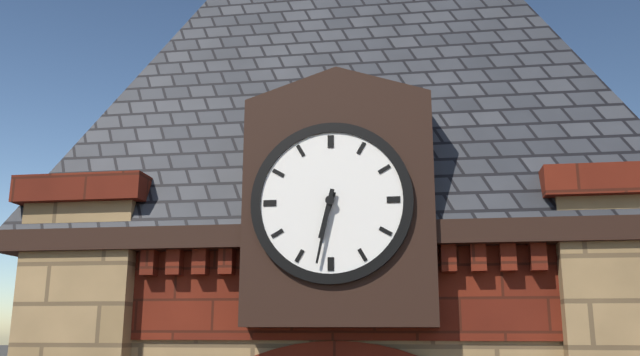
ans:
**6:32**
